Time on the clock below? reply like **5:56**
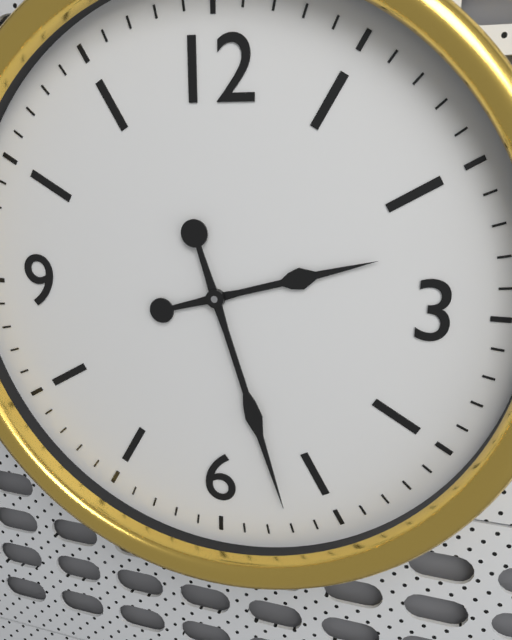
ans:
**2:27**
